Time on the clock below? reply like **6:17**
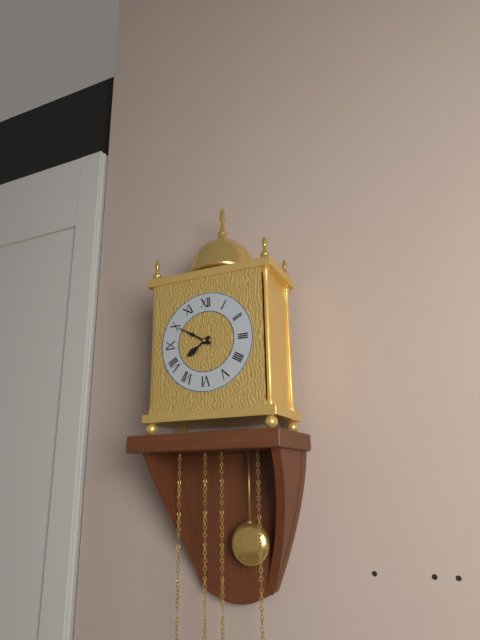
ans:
**7:50**
